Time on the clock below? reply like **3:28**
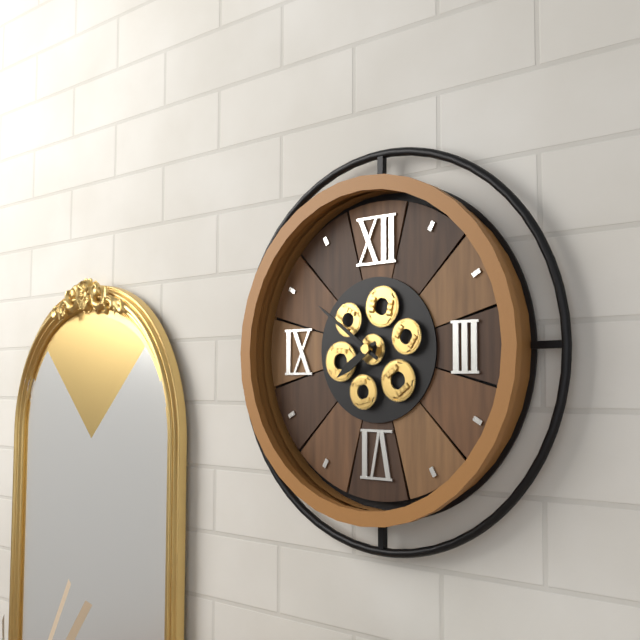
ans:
**7:51**
